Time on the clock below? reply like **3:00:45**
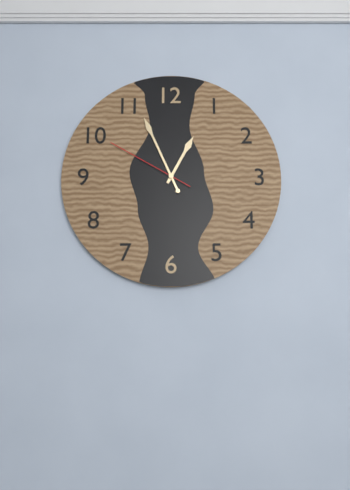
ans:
**12:56:50**
